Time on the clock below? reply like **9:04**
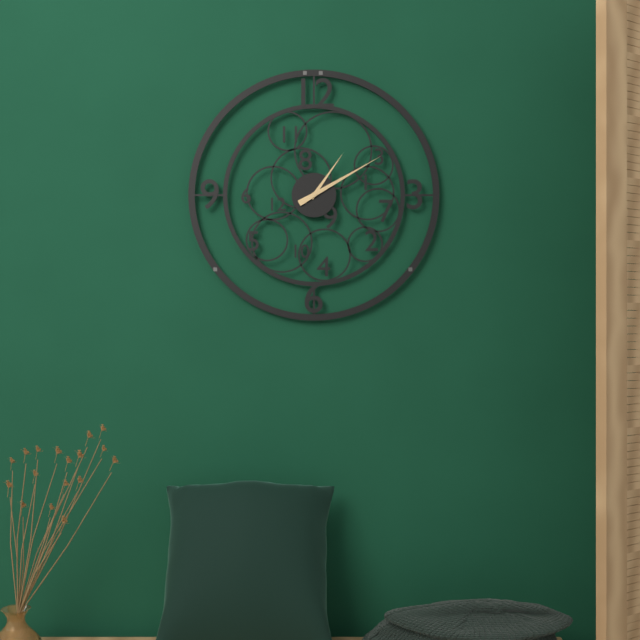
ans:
**1:10**
